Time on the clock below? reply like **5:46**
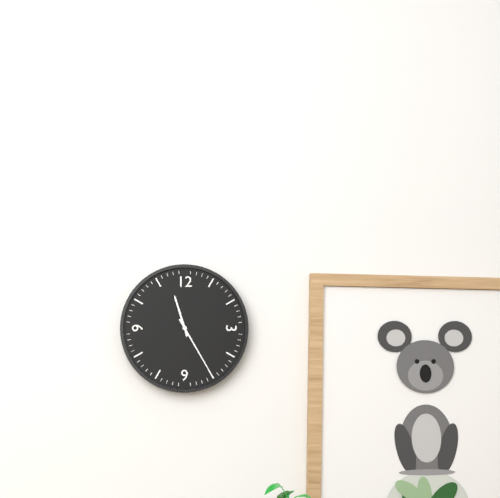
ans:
**11:25**
